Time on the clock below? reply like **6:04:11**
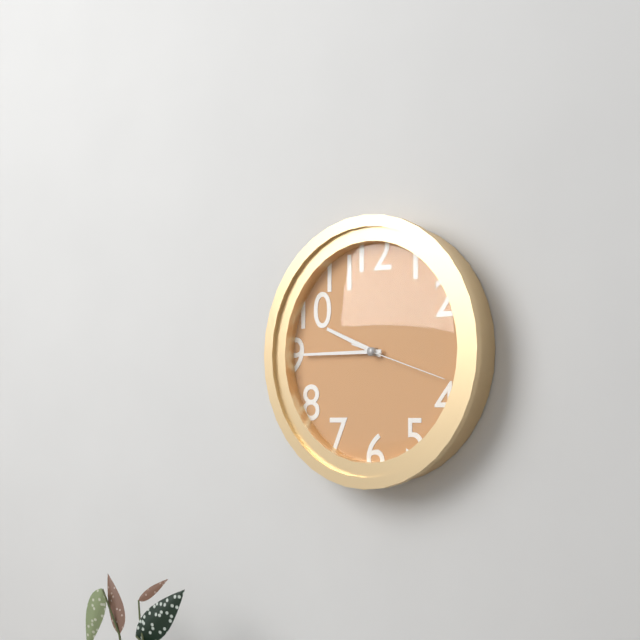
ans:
**9:45:18**
